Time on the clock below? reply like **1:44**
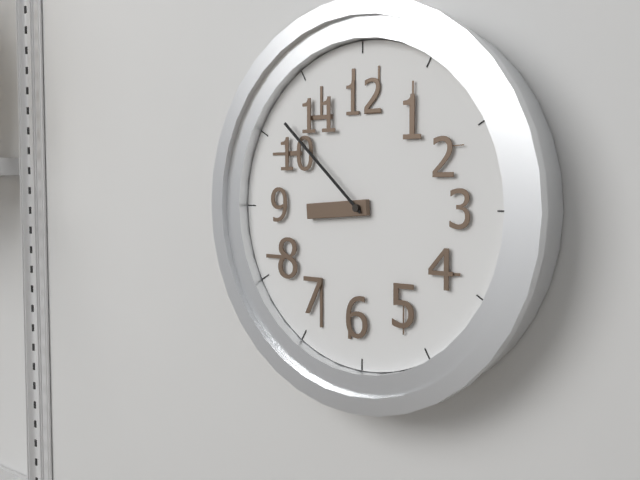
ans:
**8:52**
